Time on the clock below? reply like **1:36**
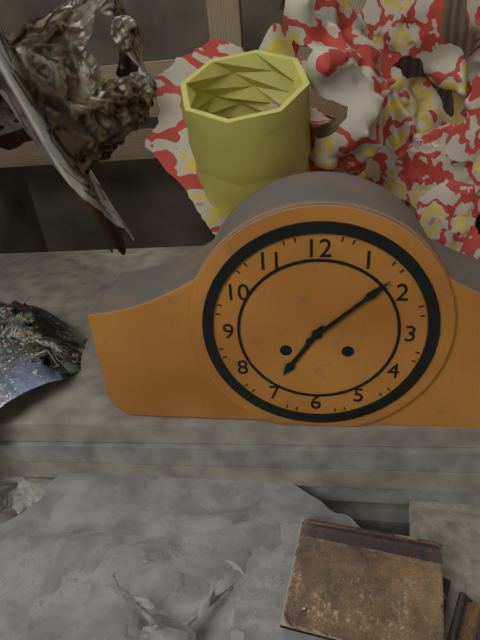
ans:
**7:08**
